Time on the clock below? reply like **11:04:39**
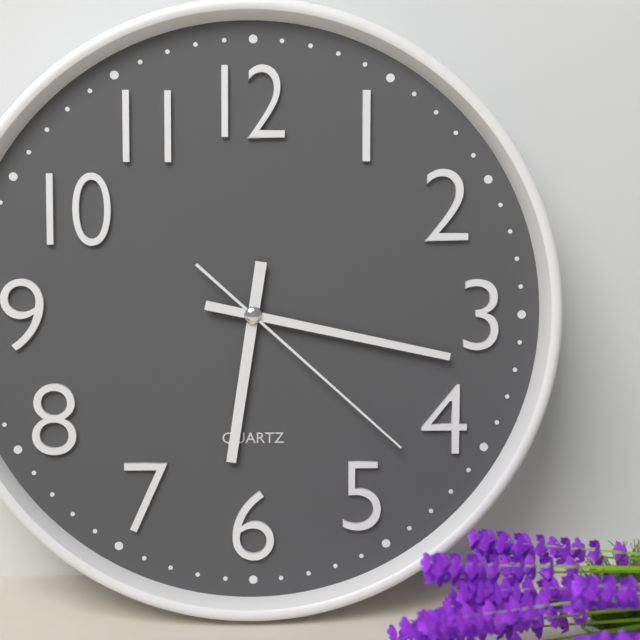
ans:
**6:17:22**
